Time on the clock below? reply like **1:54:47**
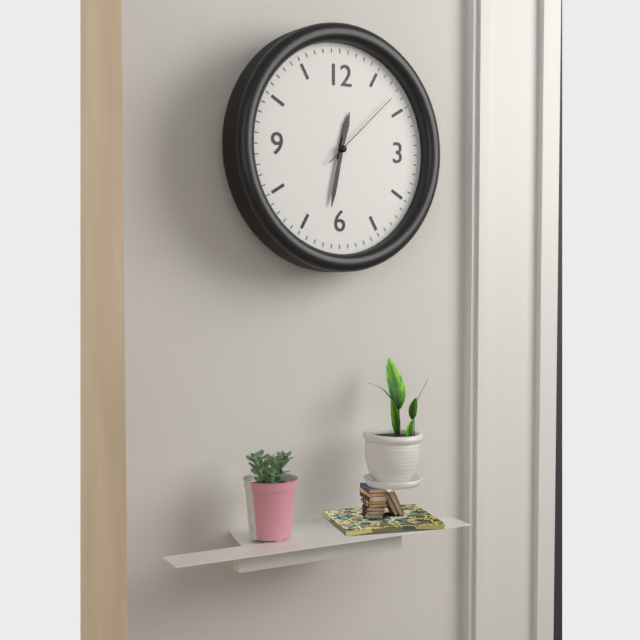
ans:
**12:32:08**
